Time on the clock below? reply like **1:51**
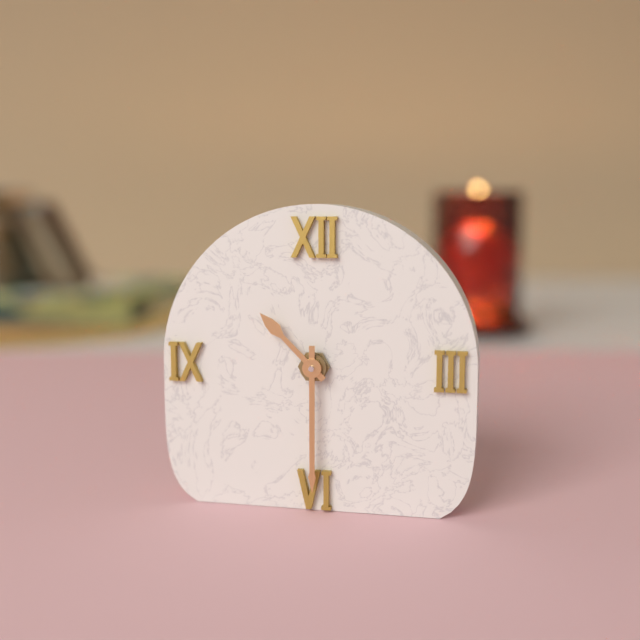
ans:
**10:30**
